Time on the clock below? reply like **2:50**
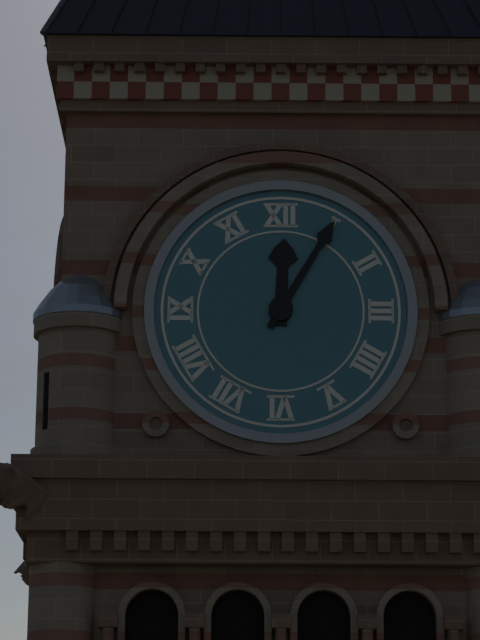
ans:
**12:05**
